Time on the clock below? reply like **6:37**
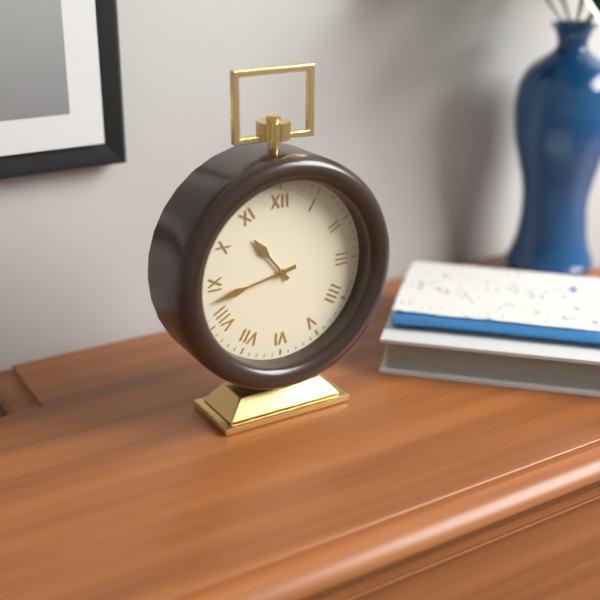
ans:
**10:43**
